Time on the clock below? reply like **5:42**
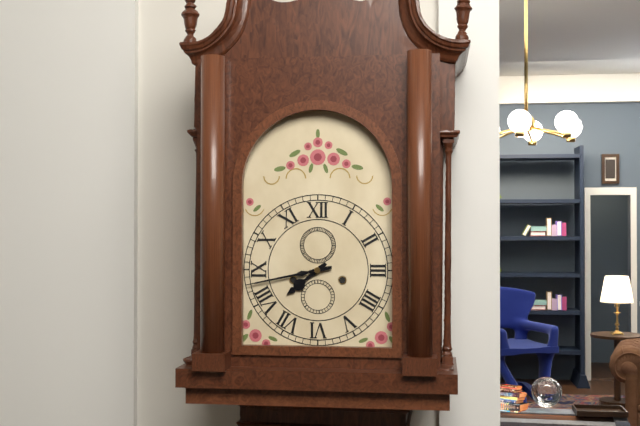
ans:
**7:43**
